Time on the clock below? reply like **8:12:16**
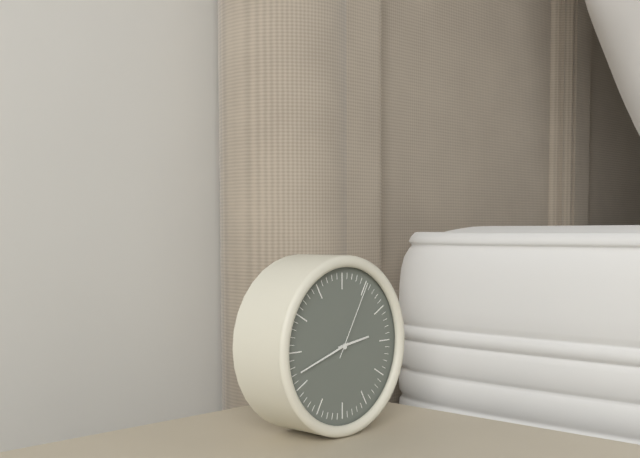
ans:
**2:42:05**
